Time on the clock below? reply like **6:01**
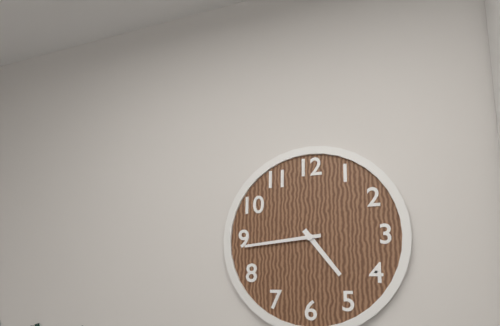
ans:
**4:44**
